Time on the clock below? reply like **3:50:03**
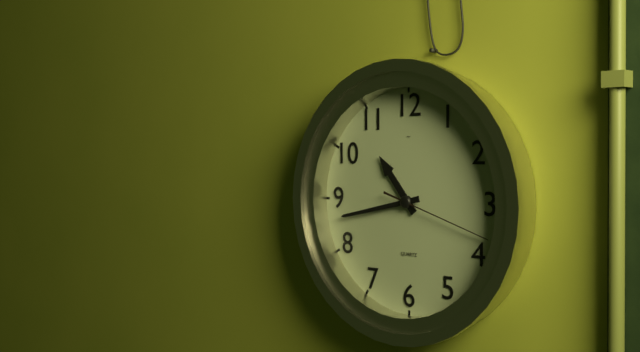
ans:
**10:43:18**
